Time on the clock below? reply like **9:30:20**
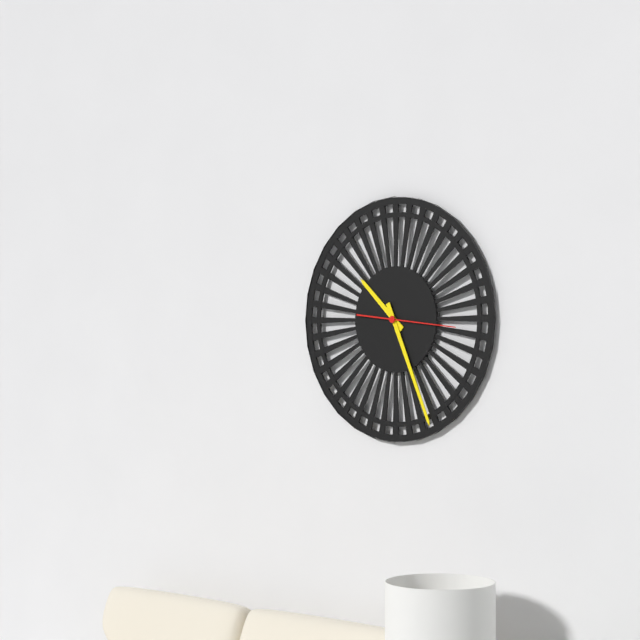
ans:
**10:26:16**
